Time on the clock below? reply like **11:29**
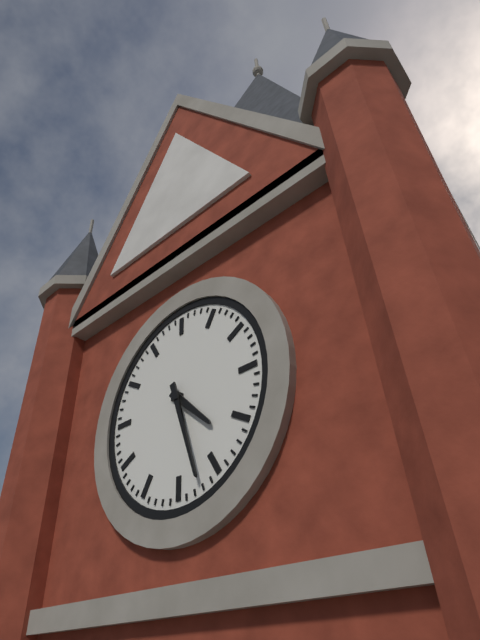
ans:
**4:27**
